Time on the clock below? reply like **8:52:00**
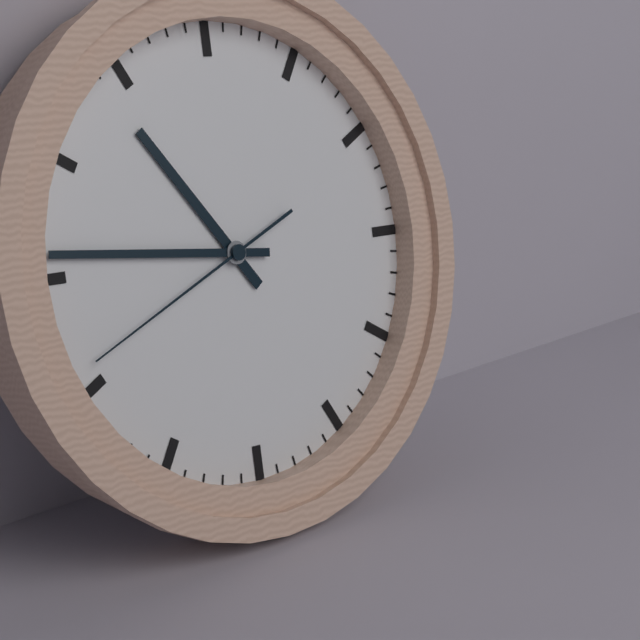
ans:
**10:46:41**
